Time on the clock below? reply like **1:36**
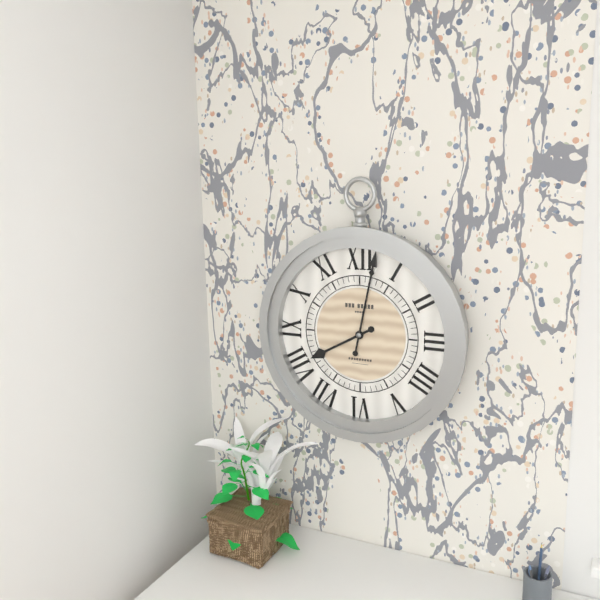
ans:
**8:02**
